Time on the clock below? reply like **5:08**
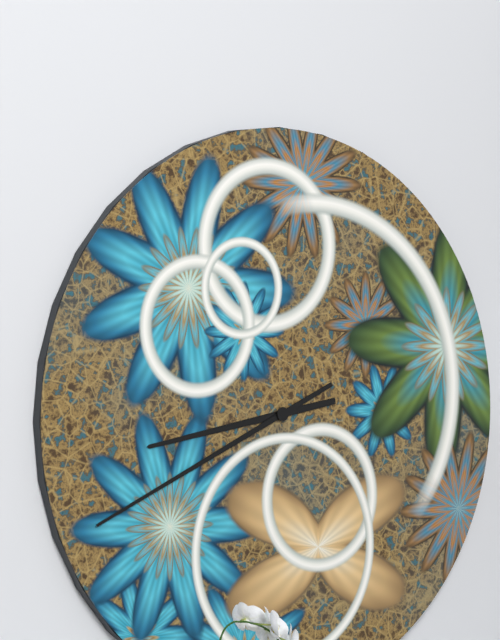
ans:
**8:41**
